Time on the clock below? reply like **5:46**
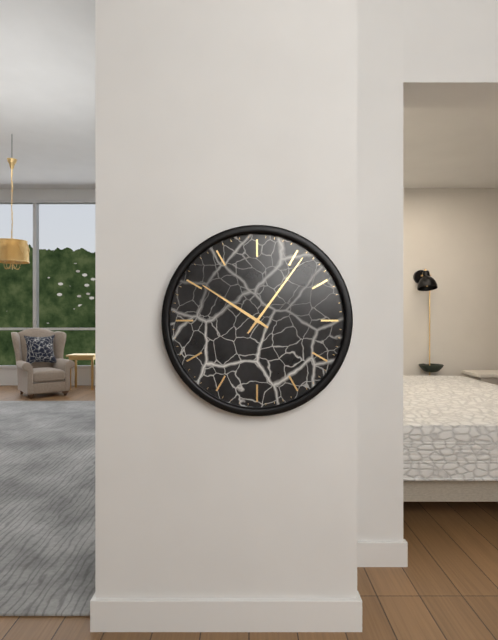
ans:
**10:06**
